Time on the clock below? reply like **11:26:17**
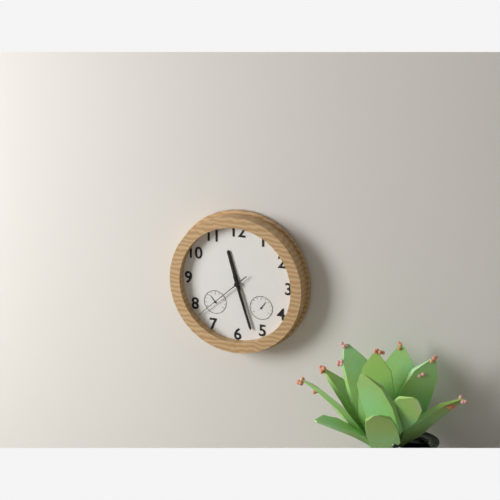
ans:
**11:27:38**
